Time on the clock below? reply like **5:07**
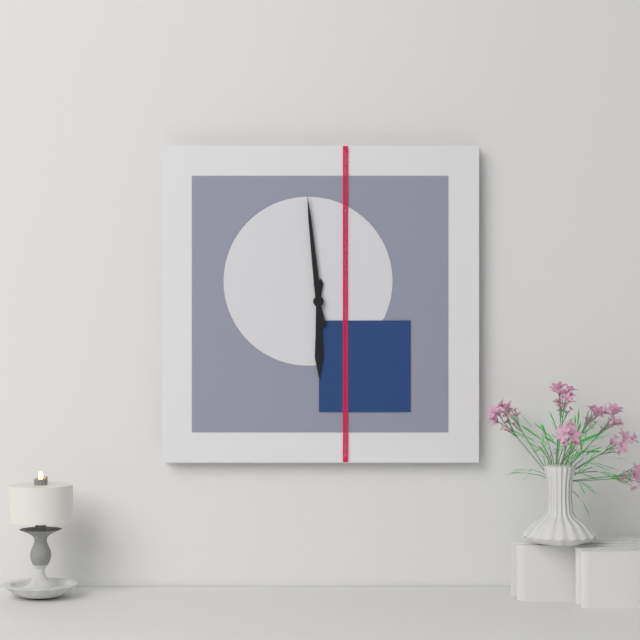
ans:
**5:59**
